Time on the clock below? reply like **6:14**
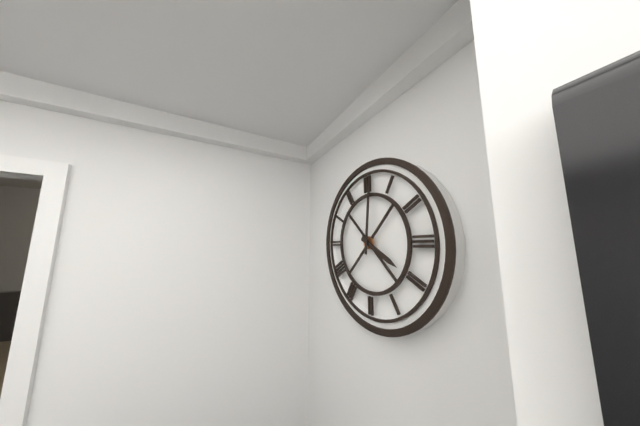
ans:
**4:01**
